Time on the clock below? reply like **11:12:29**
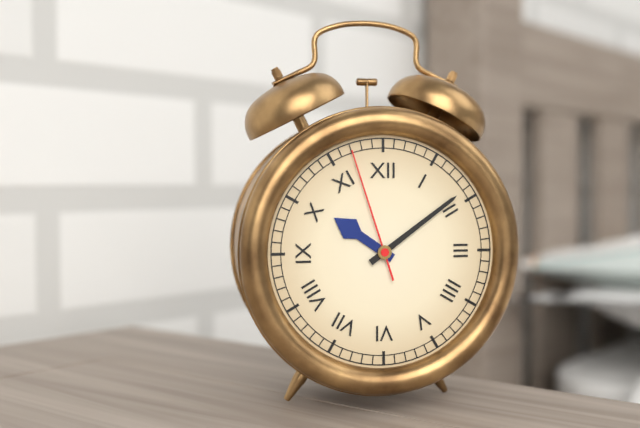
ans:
**10:09:57**
